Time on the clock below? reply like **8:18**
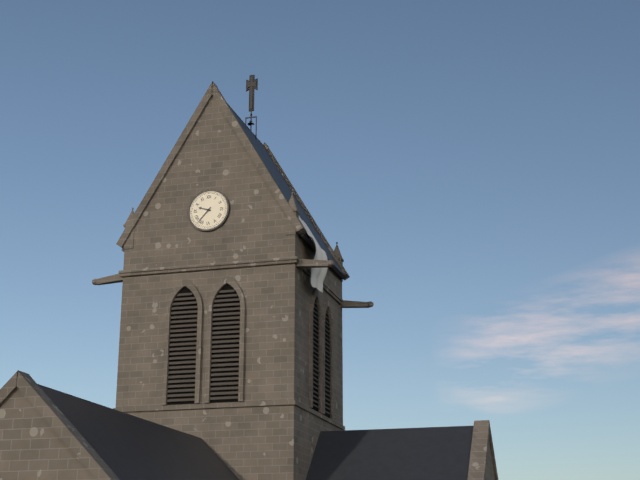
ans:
**9:37**
